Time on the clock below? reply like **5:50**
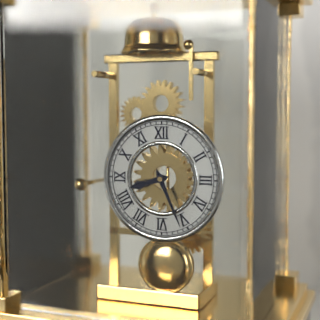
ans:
**8:26**
